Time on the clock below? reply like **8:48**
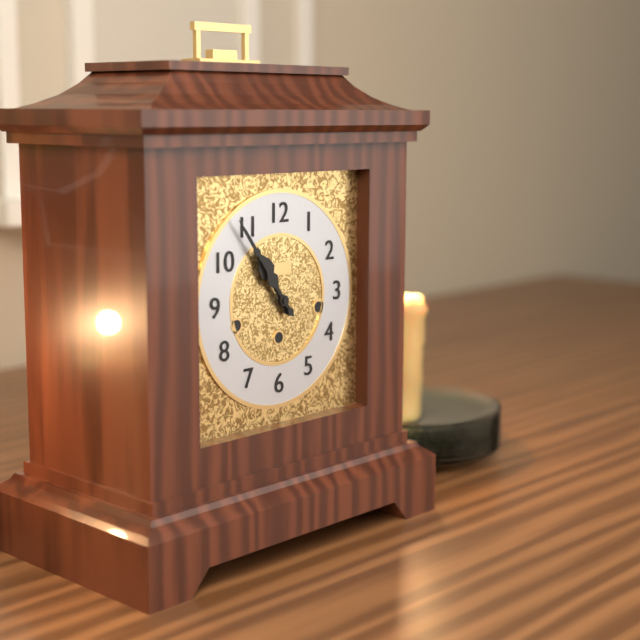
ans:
**10:54**
